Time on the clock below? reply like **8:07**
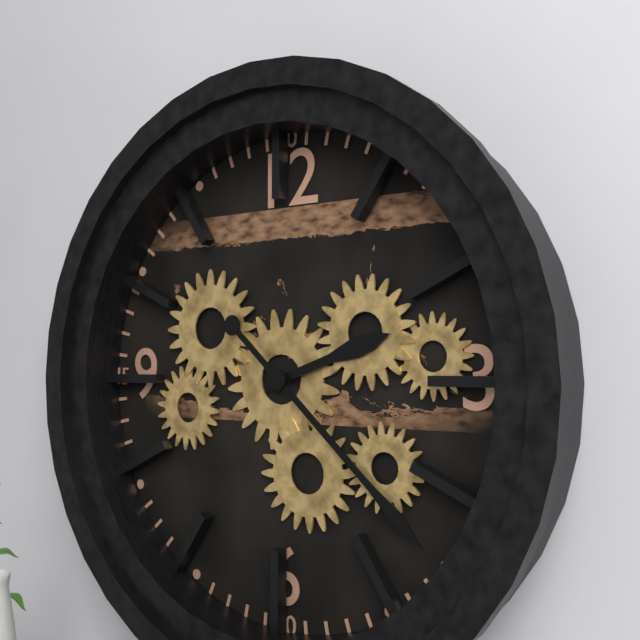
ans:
**2:22**
